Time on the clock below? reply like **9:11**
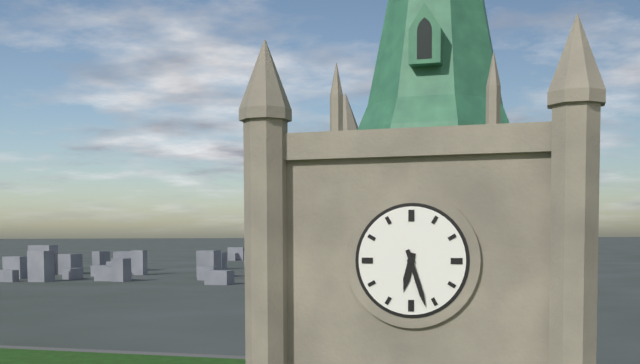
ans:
**6:27**
